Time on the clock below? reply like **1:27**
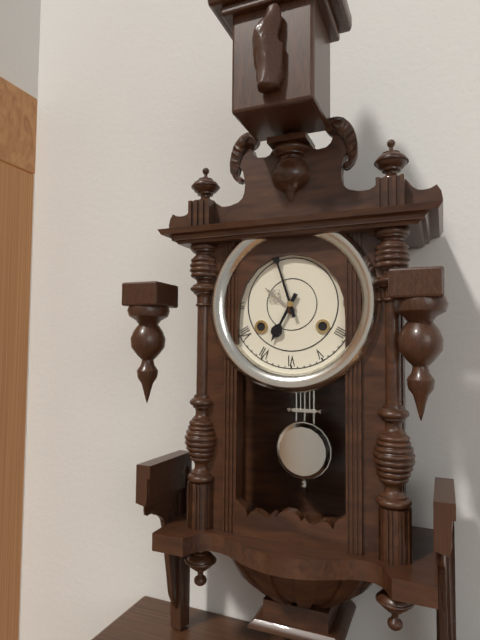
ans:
**6:57**
